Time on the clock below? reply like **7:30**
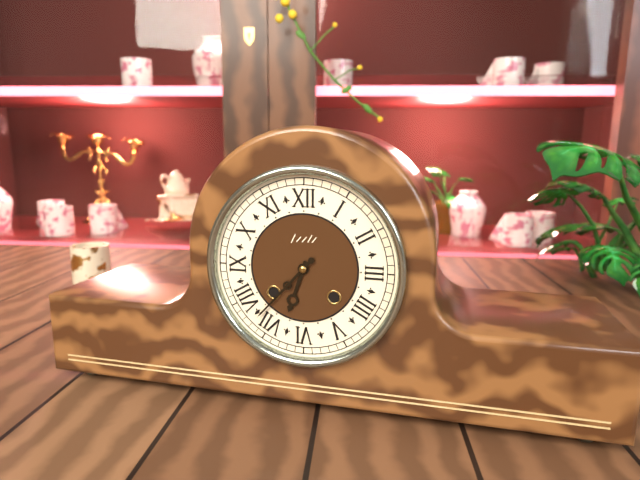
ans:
**6:37**
